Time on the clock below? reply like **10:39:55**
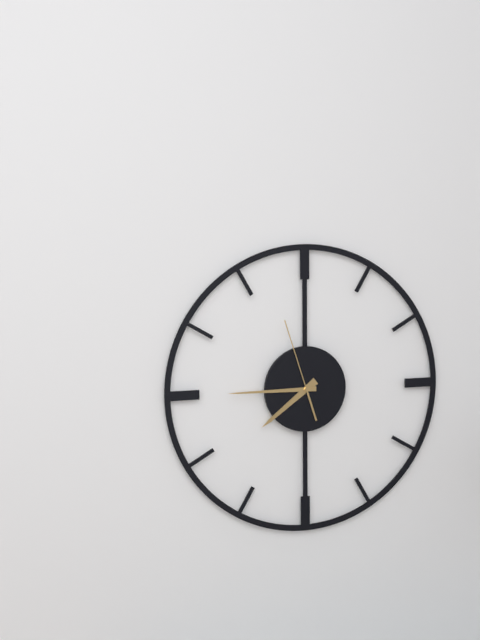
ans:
**7:45:57**
